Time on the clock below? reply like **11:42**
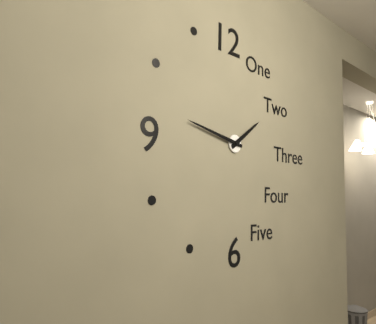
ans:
**1:47**
